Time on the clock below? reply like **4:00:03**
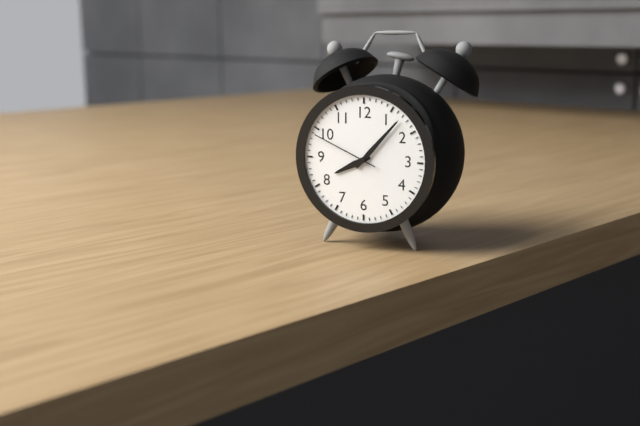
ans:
**8:07:49**
